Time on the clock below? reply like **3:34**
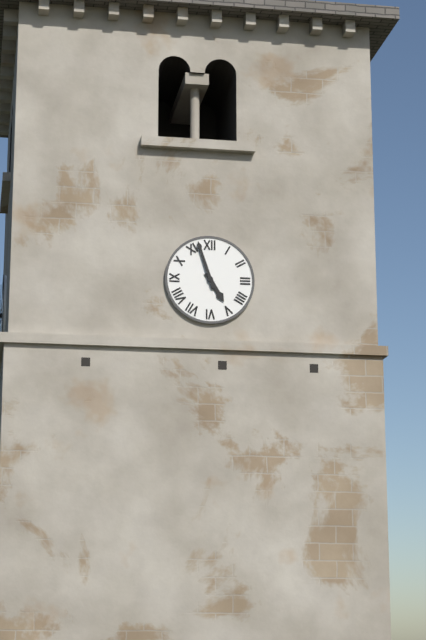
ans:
**4:57**
